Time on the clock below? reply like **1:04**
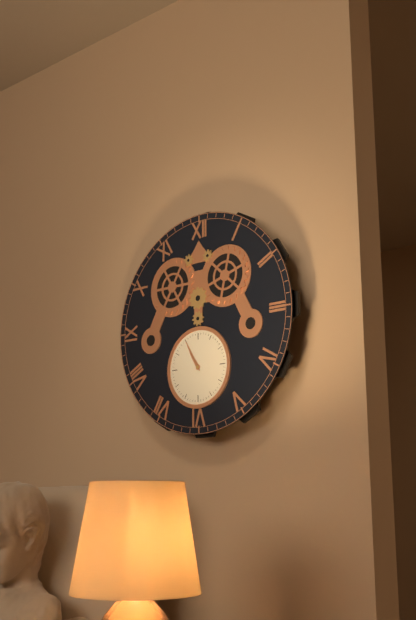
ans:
**10:55**
